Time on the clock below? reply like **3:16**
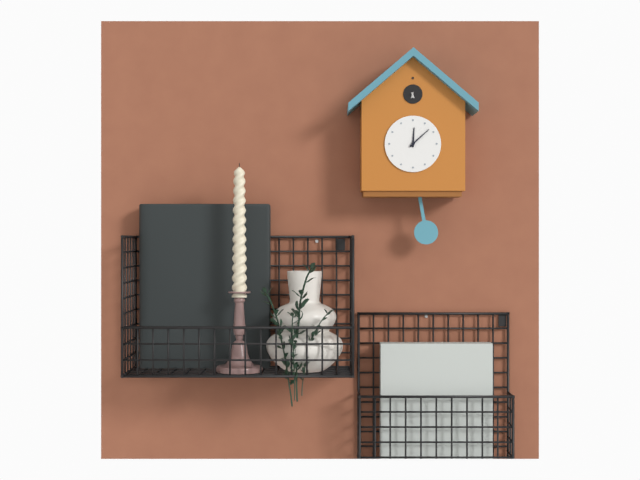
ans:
**12:08**
